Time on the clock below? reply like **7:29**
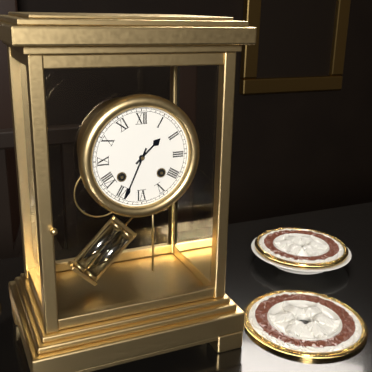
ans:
**1:34**
